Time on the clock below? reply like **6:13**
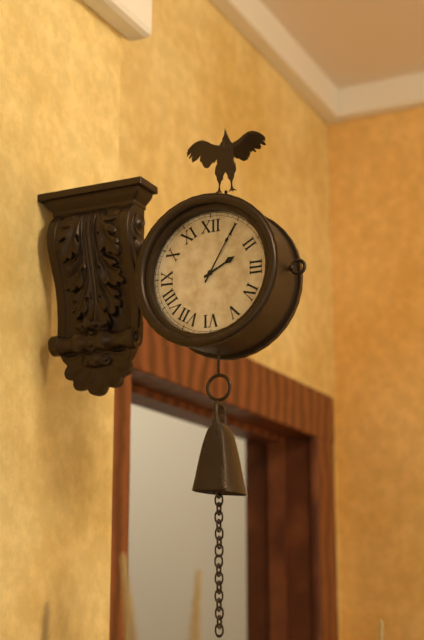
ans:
**2:05**
